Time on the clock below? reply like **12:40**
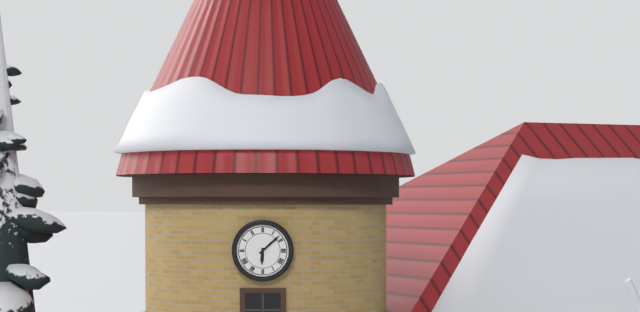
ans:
**6:08**
